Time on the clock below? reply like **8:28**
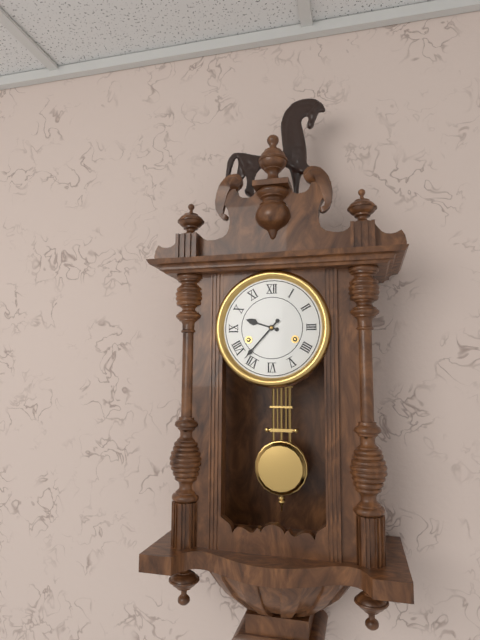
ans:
**9:37**
